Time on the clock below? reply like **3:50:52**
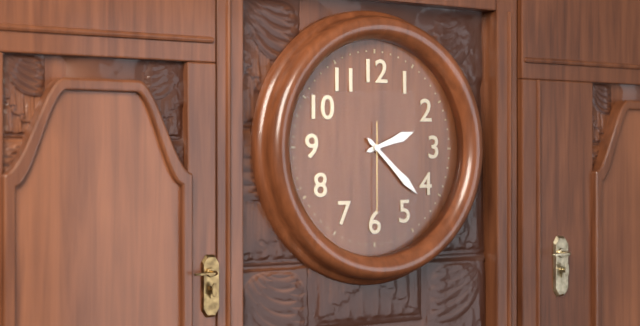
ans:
**2:22:30**
